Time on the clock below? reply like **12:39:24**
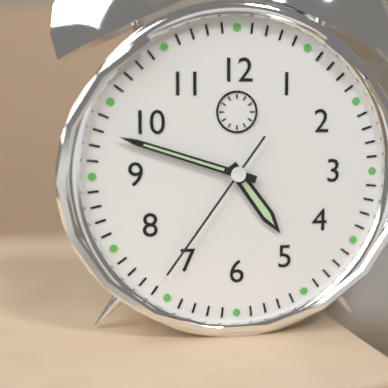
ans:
**4:48:36**
